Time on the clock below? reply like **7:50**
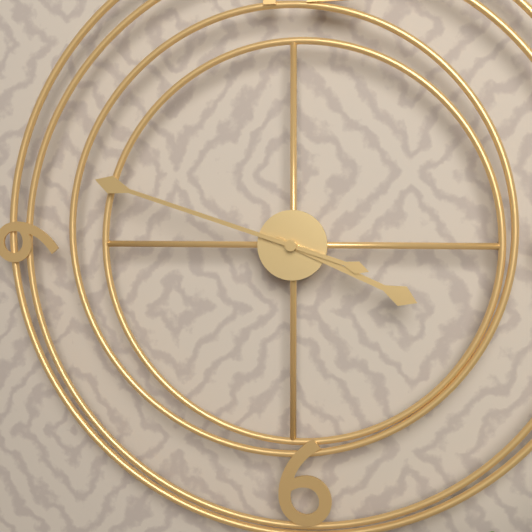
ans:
**3:48**
